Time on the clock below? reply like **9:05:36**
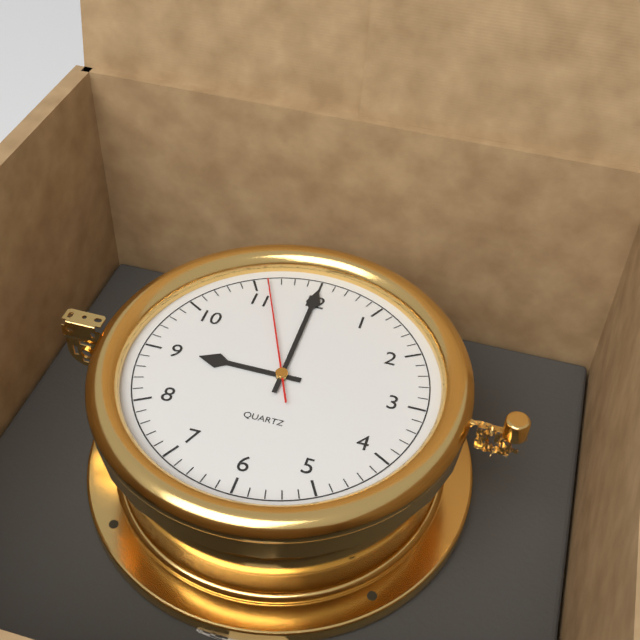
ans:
**9:00:56**
